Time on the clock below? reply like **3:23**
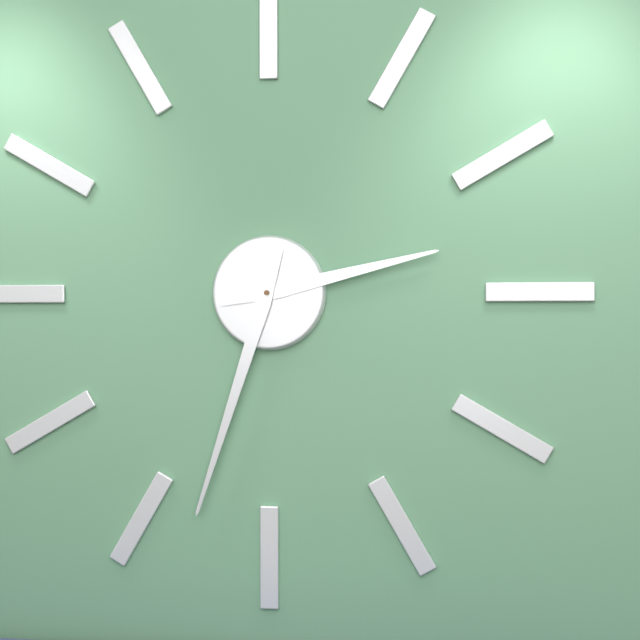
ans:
**2:33**
